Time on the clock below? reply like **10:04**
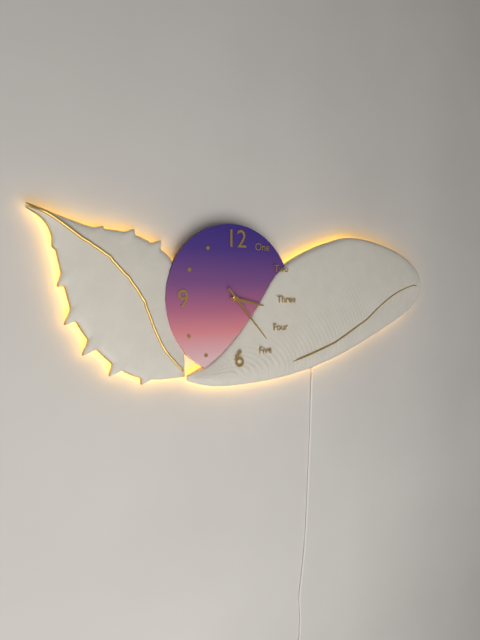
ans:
**3:23**
